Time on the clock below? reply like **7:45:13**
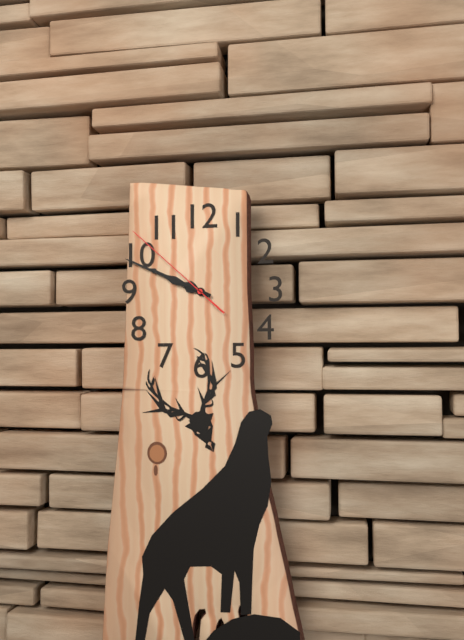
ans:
**9:49:52**
